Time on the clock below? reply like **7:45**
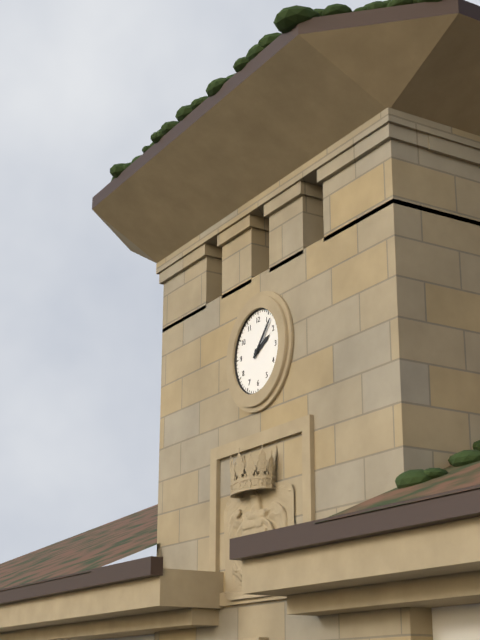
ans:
**2:07**
